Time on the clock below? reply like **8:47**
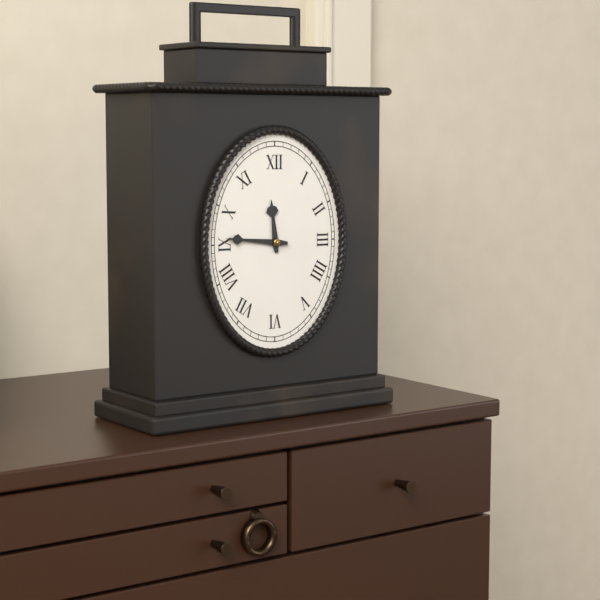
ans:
**11:46**
